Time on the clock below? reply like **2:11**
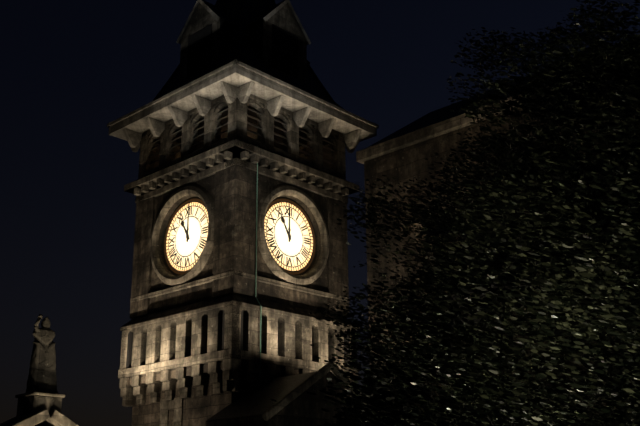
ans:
**11:00**
